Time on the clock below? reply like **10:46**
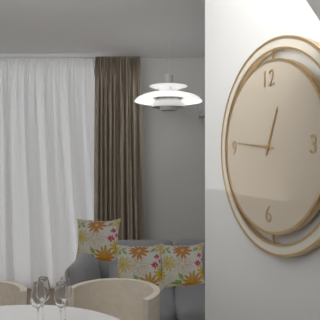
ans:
**12:46**
